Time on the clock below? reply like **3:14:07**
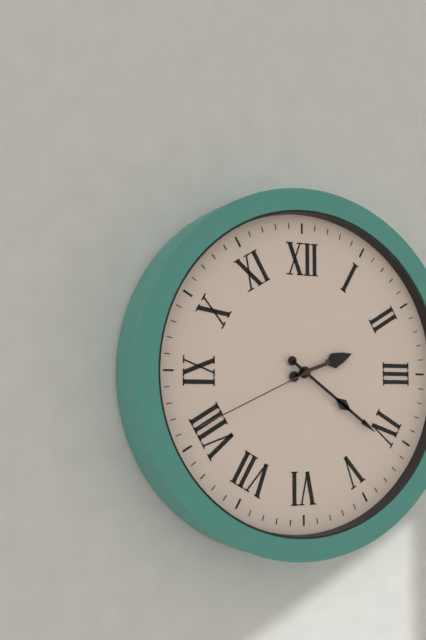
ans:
**2:21:41**
